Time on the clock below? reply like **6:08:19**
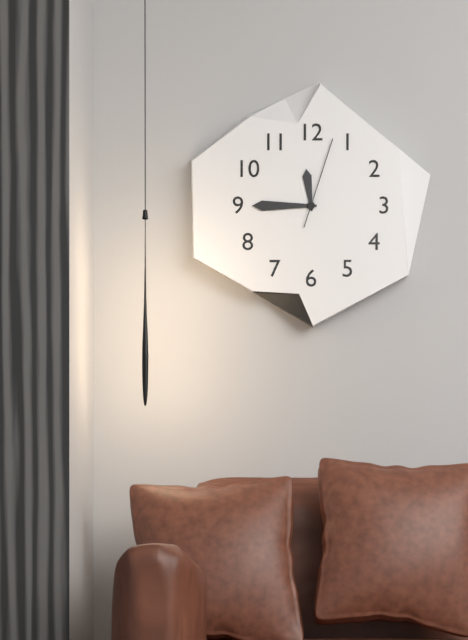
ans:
**11:45:03**
